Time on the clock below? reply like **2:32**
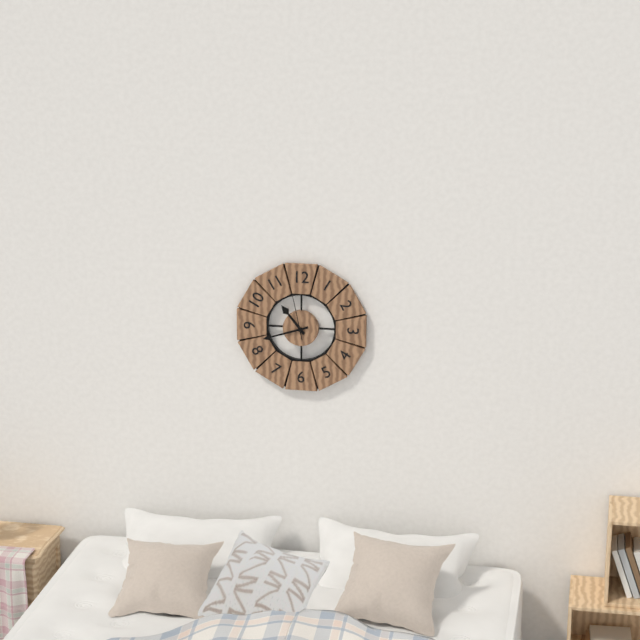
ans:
**10:42**
